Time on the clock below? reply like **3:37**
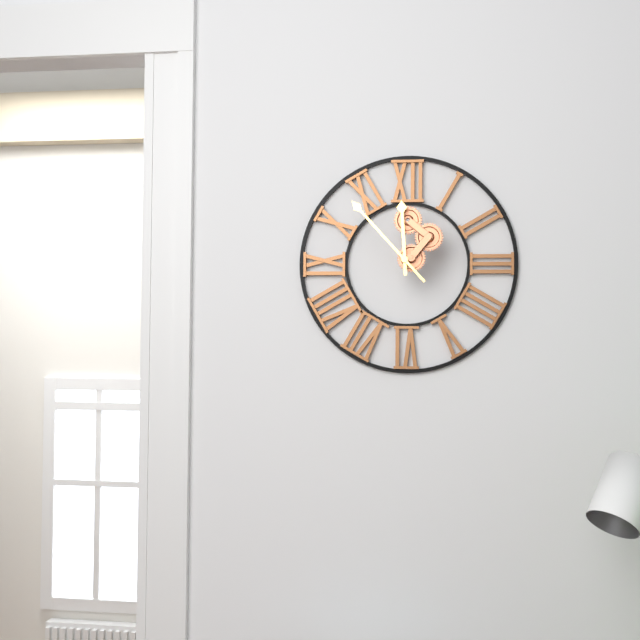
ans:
**11:53**
